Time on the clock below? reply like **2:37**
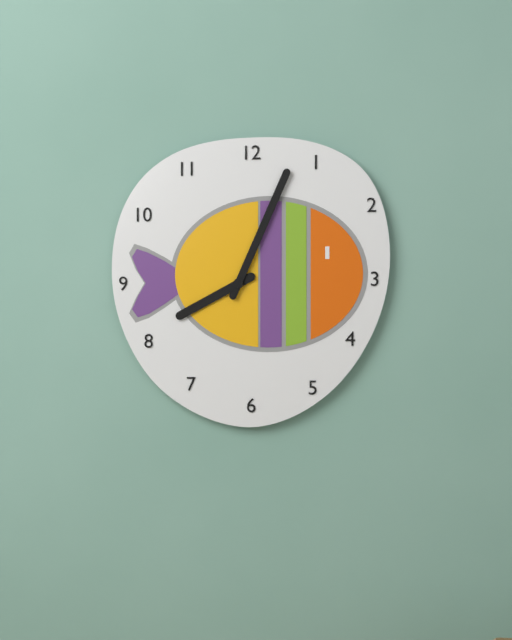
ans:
**8:04**
